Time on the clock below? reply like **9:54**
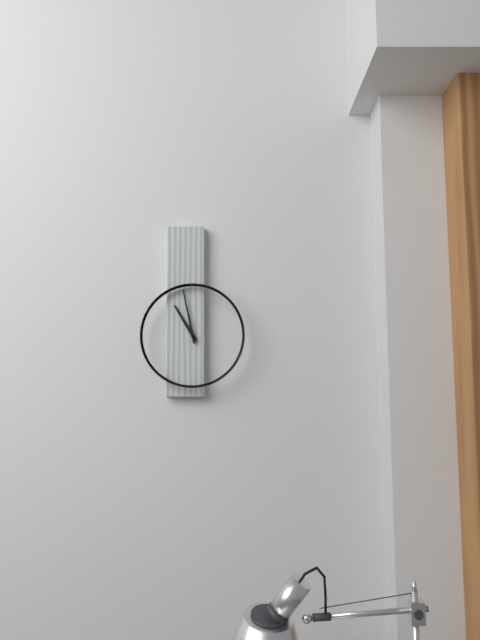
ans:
**10:58**
